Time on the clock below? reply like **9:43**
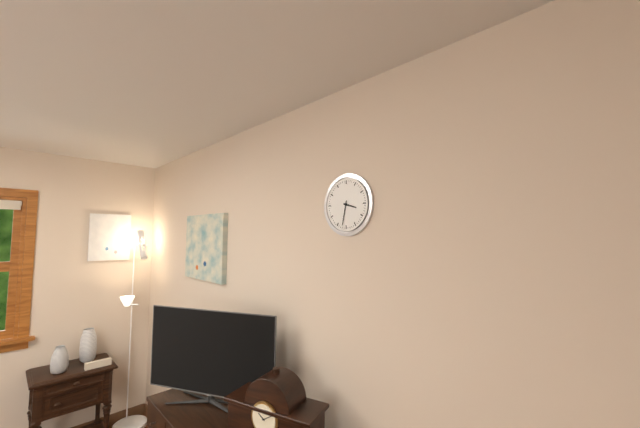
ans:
**3:32**
